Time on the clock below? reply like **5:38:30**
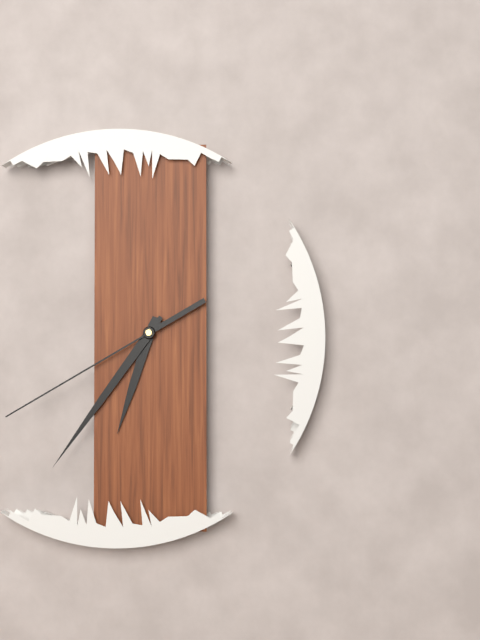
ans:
**6:36:40**
